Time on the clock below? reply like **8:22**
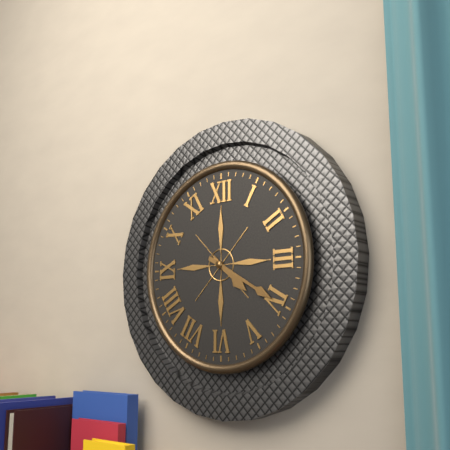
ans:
**4:20**
